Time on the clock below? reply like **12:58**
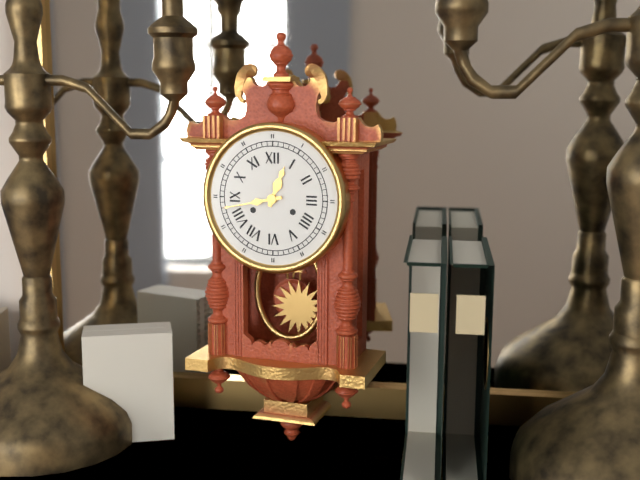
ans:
**12:43**
